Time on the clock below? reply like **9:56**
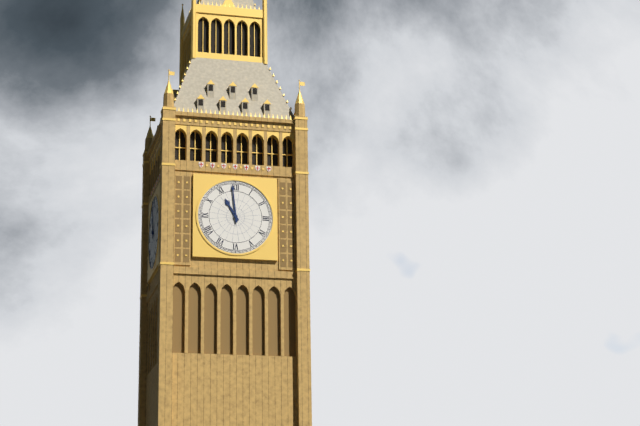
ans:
**10:59**
